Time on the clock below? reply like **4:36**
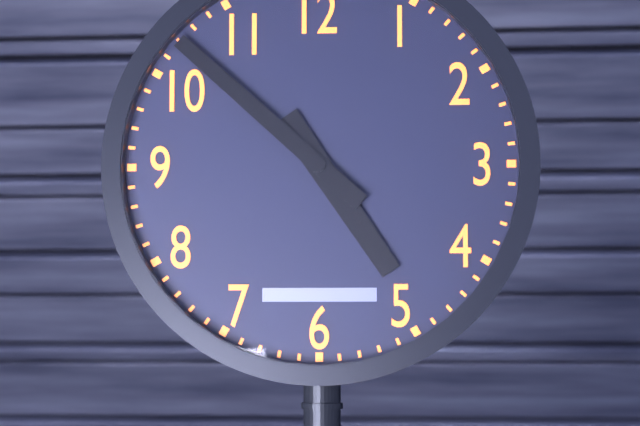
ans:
**4:52**
